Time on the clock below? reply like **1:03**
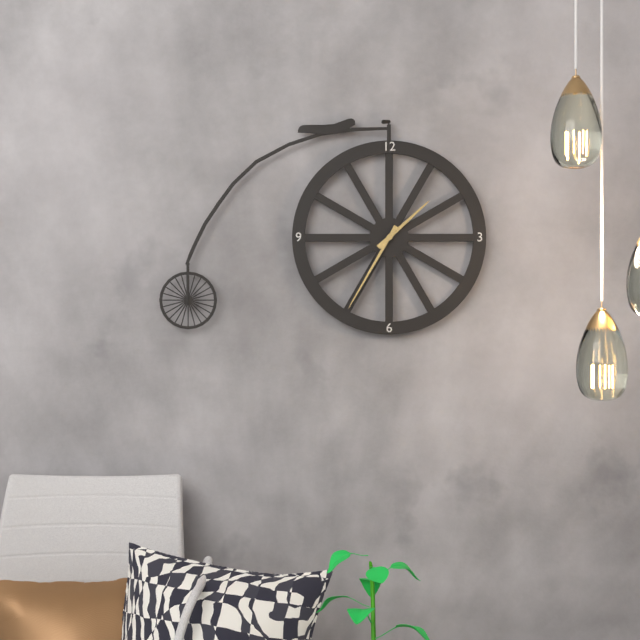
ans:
**1:35**
